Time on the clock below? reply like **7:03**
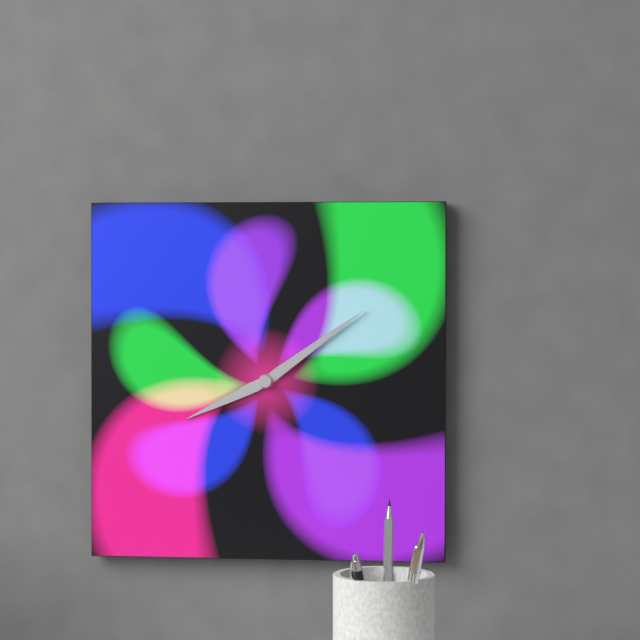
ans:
**8:09**
